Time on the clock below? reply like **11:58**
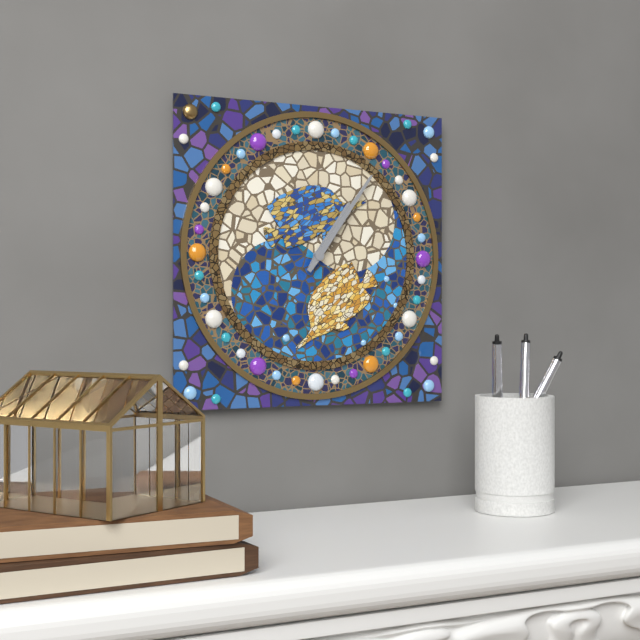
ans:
**1:06**
